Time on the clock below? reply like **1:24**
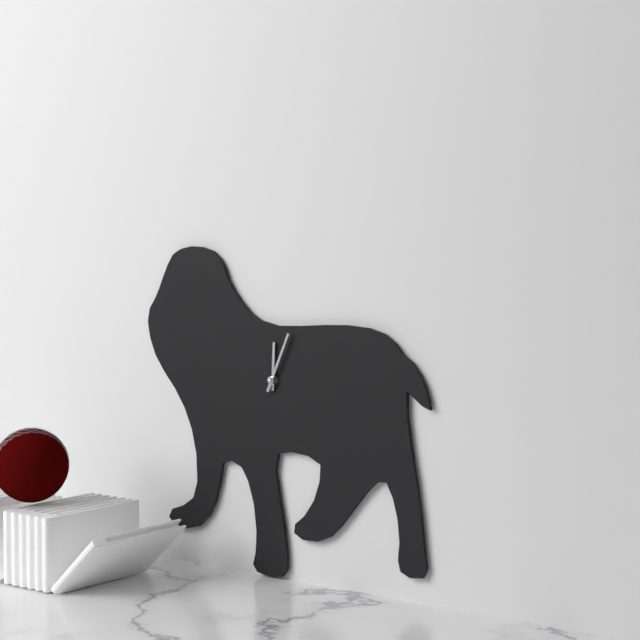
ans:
**12:04**
